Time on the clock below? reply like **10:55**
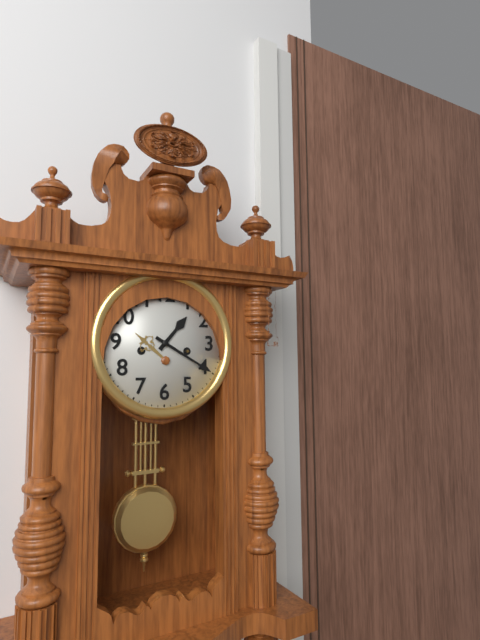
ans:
**1:20**
